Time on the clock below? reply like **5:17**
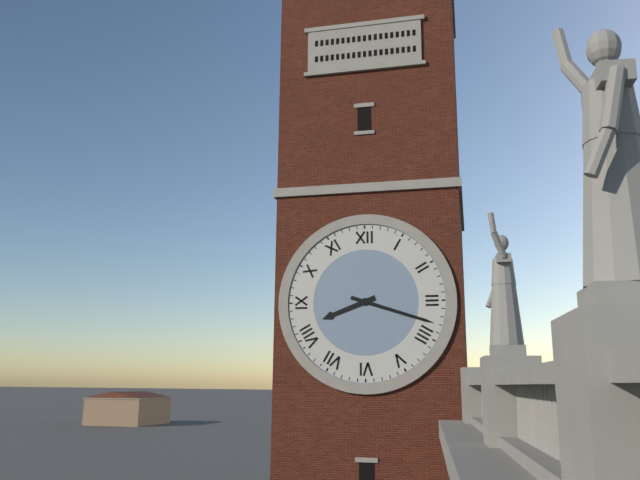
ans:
**8:18**
